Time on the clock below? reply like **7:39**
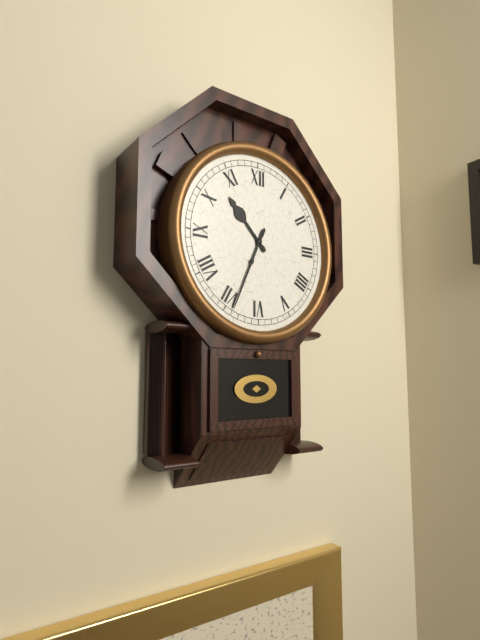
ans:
**10:34**
